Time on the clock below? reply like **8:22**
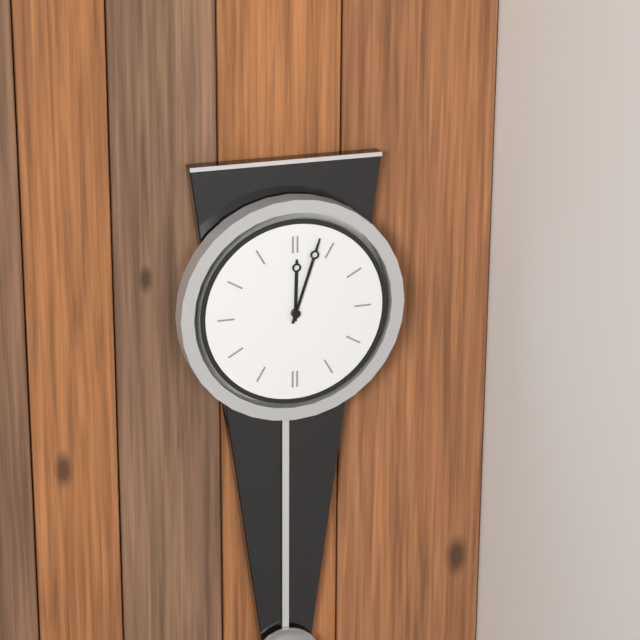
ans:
**12:03**
